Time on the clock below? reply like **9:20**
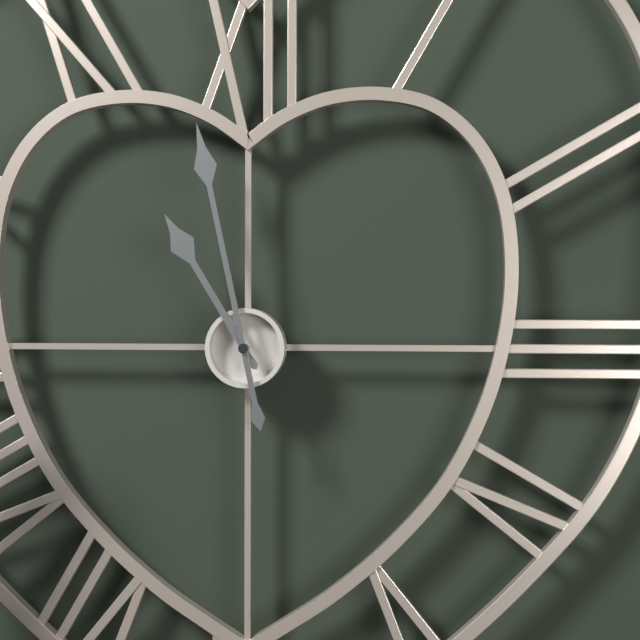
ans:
**10:58**
